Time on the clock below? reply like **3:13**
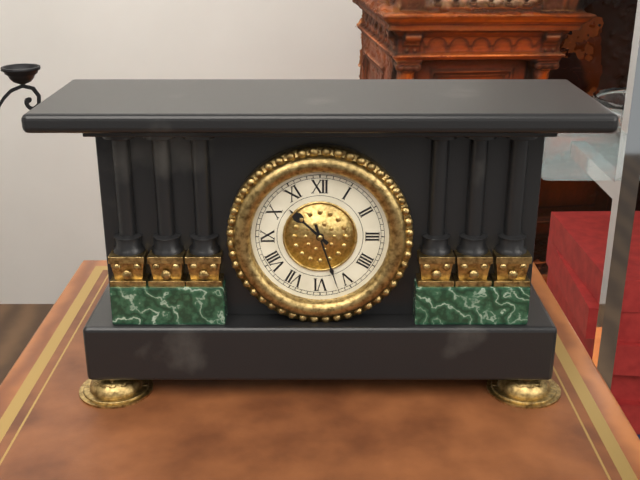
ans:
**10:27**
